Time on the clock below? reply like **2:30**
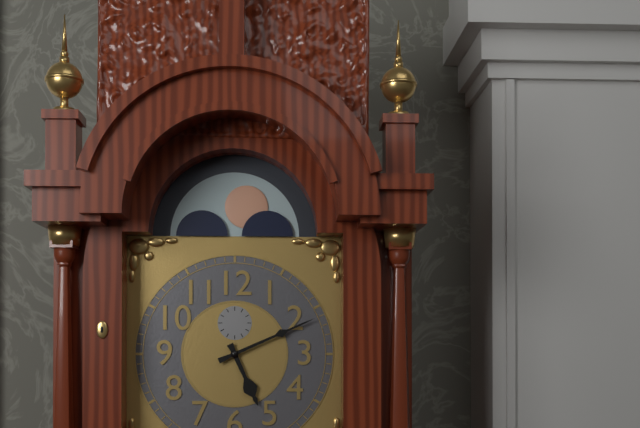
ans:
**5:11**
